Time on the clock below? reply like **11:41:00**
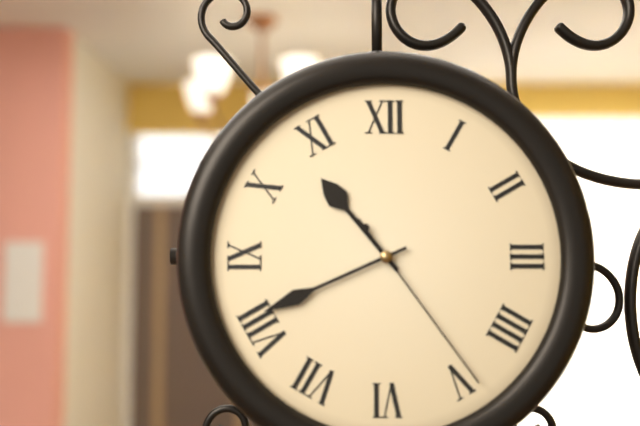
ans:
**10:41:24**
